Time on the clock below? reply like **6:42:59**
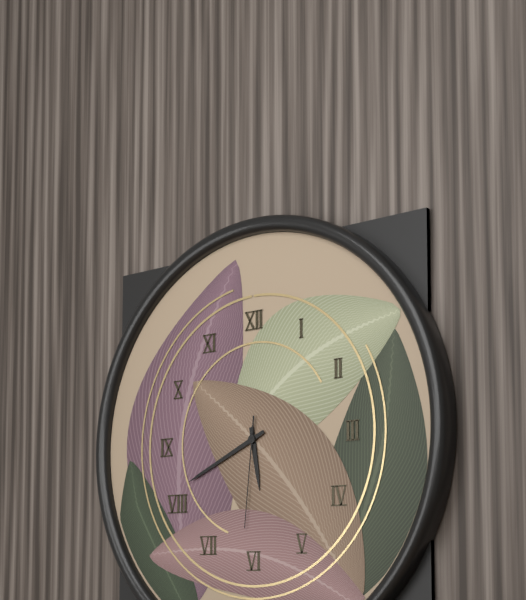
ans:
**5:41:31**
